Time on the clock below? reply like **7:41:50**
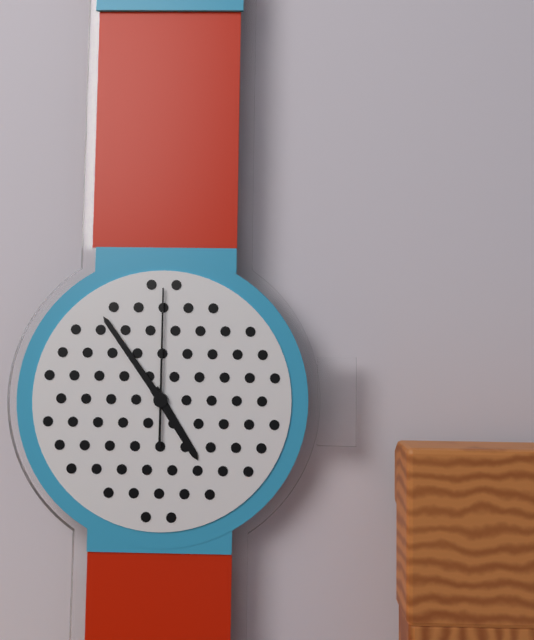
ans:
**4:54:00**
